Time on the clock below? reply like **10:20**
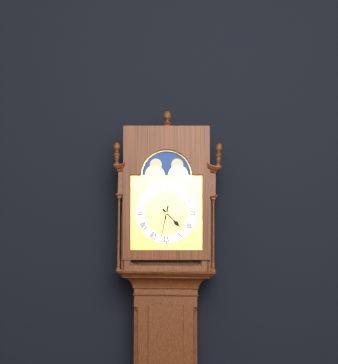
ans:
**4:32**
